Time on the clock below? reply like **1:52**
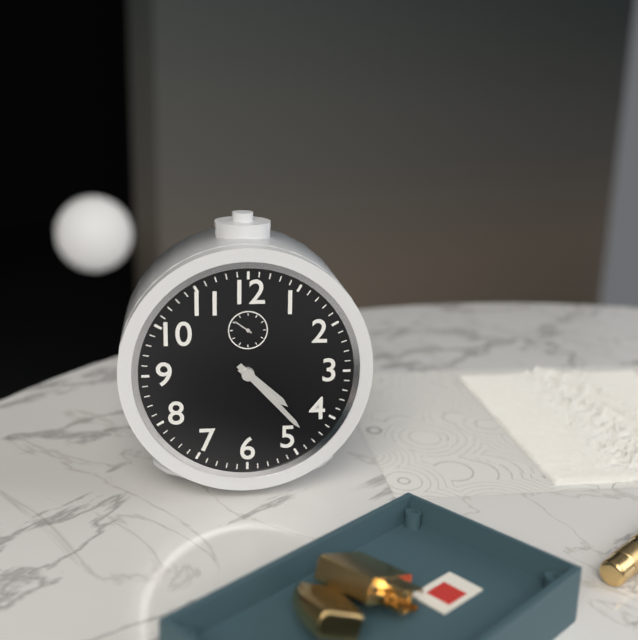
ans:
**4:23**
